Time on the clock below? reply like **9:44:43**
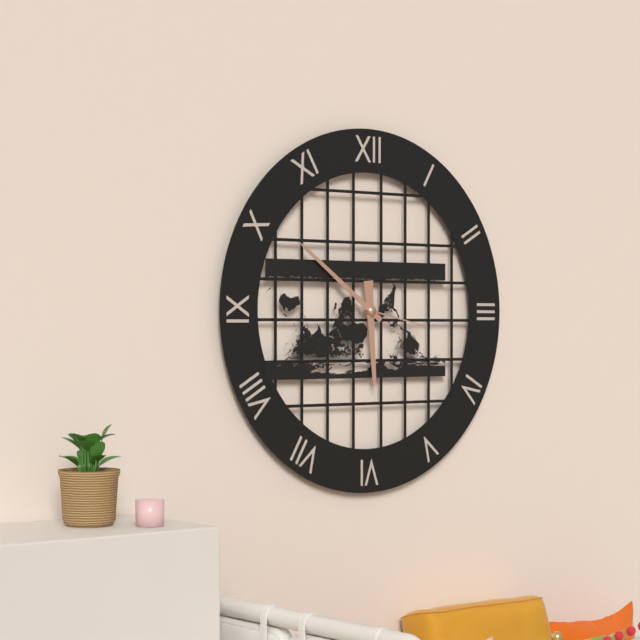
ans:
**5:51:17**
